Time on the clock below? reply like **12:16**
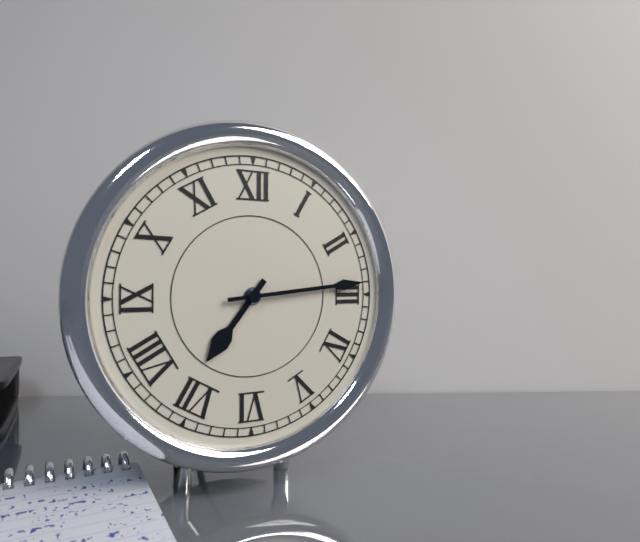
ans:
**7:14**
